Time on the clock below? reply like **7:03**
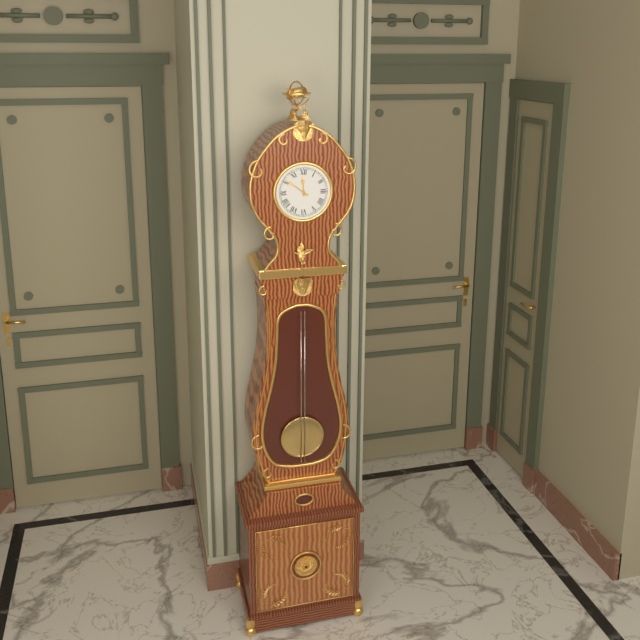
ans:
**11:51**
